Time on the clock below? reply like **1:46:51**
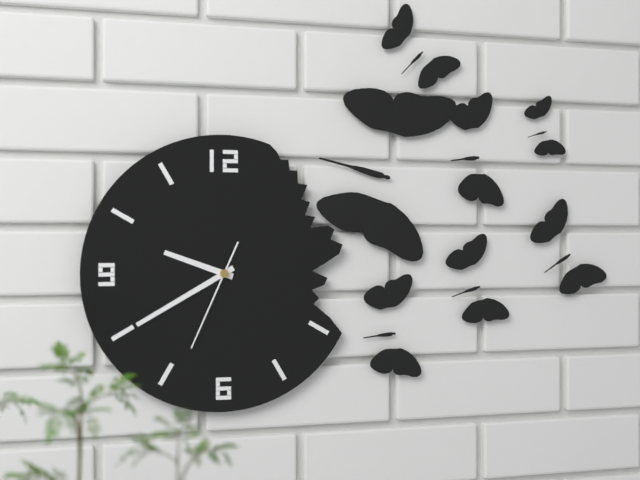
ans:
**9:40:34**
